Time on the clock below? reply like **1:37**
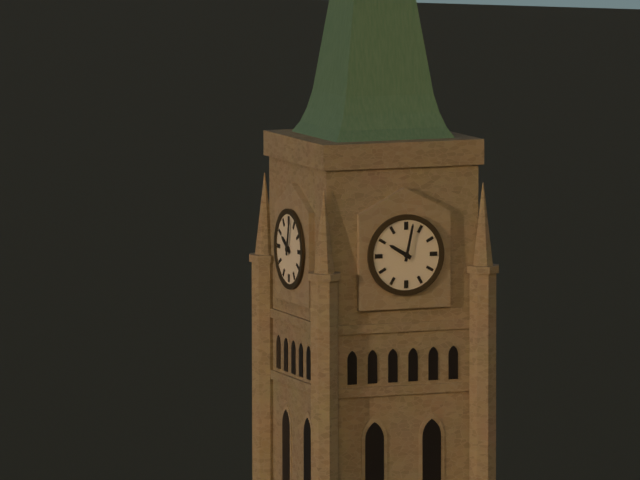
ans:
**10:02**
